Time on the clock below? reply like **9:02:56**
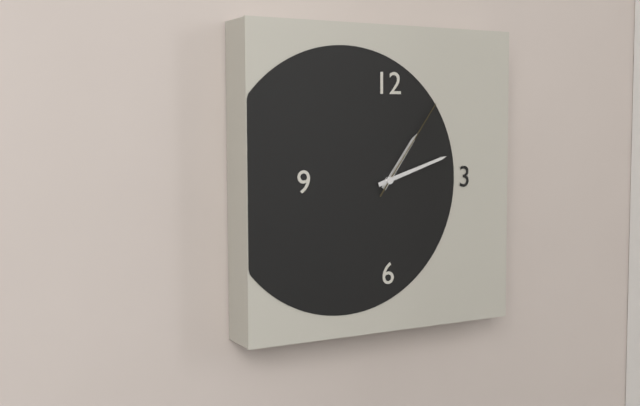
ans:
**1:12:06**
